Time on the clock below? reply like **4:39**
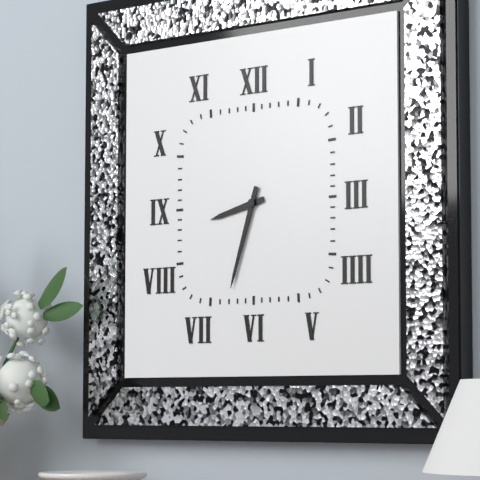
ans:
**8:33**
